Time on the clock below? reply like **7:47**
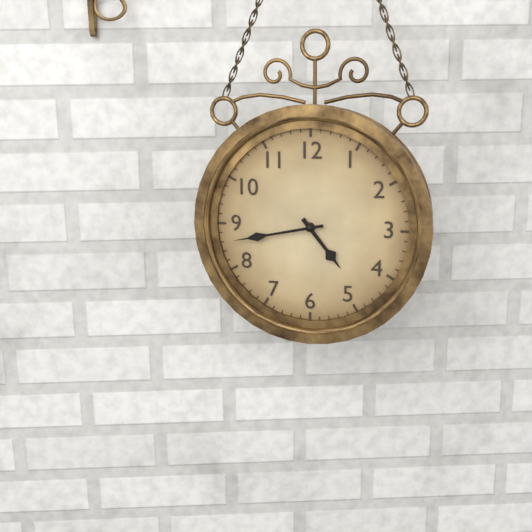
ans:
**4:43**
